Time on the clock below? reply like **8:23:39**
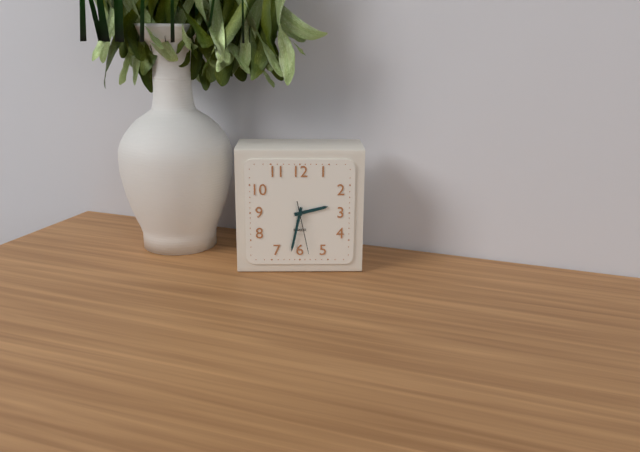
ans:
**2:32:28**
